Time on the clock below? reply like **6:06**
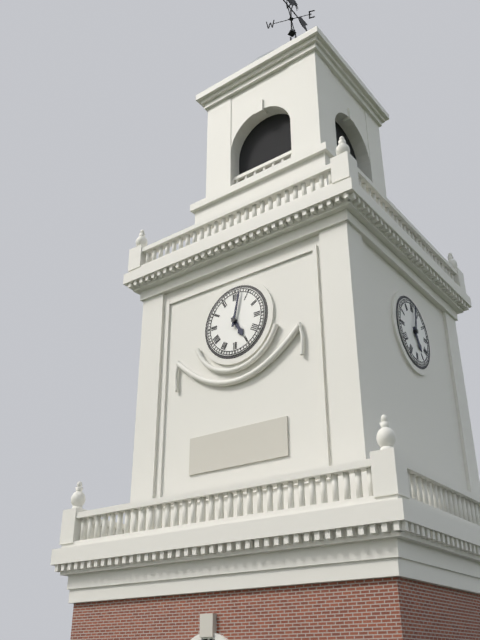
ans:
**5:02**
